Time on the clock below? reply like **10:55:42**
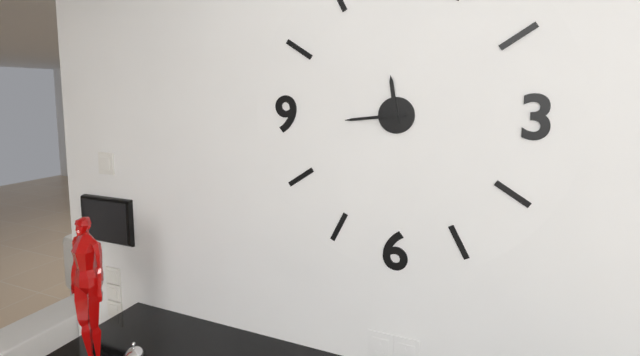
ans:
**11:44:44**
